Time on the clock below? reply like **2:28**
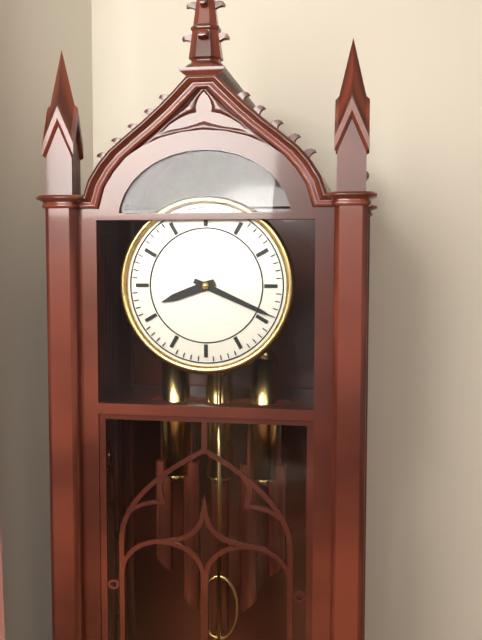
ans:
**8:19**
